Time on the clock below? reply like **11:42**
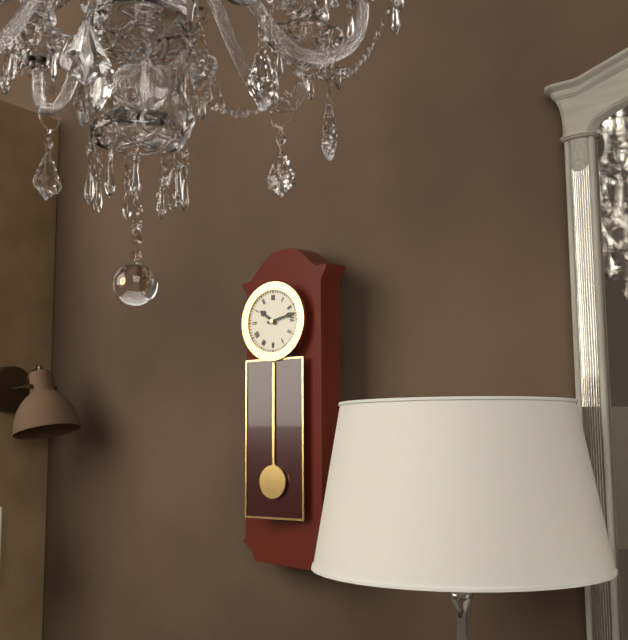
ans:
**10:13**
